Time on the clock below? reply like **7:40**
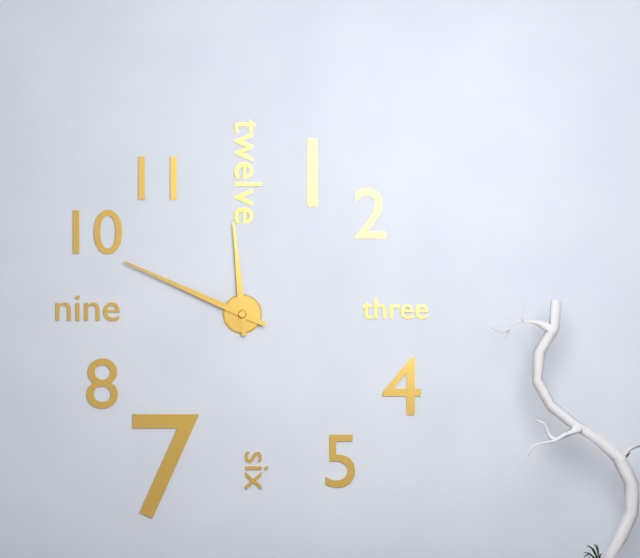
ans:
**11:49**
